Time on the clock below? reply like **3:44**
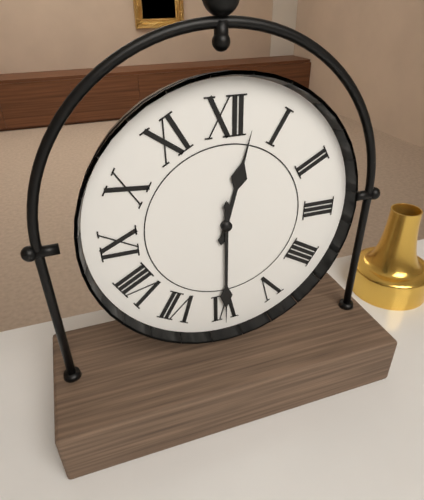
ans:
**12:30**
